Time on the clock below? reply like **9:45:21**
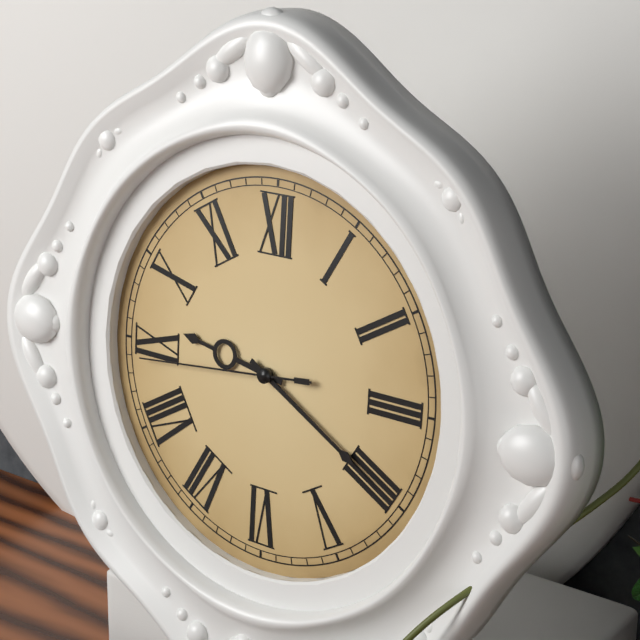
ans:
**9:20:44**
